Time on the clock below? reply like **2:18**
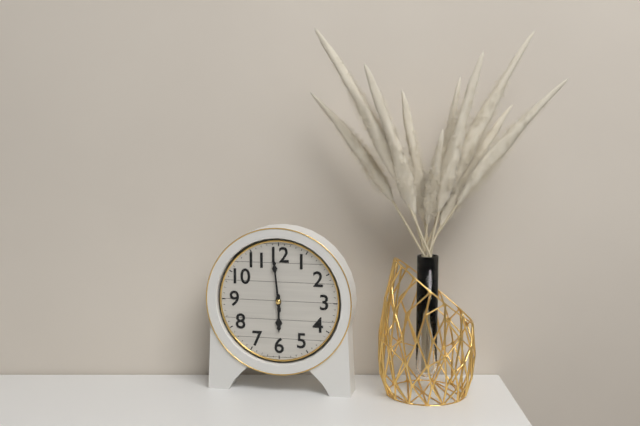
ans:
**5:59**
